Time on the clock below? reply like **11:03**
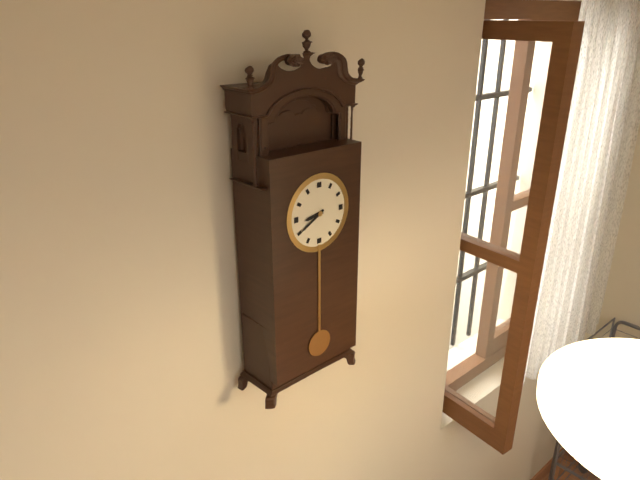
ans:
**8:40**
